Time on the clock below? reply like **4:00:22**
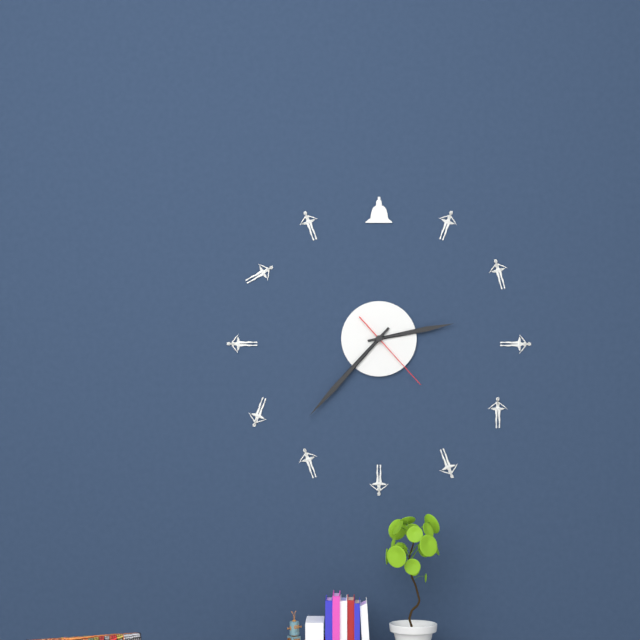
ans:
**2:37:23**
